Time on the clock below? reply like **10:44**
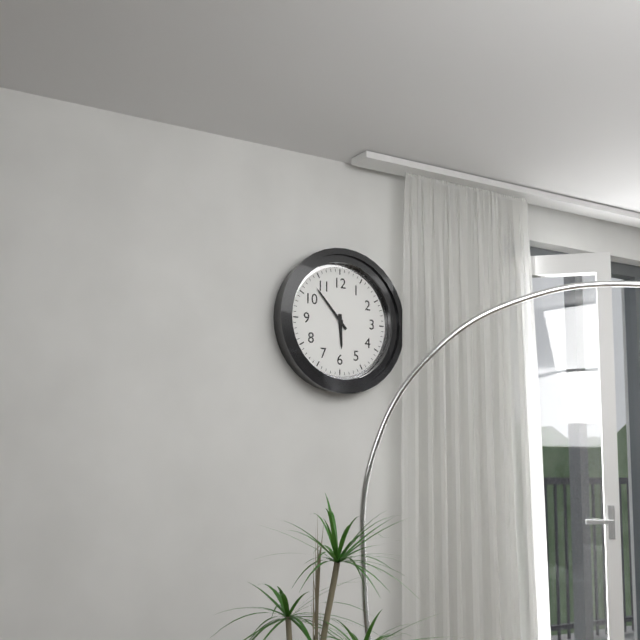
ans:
**5:53**
